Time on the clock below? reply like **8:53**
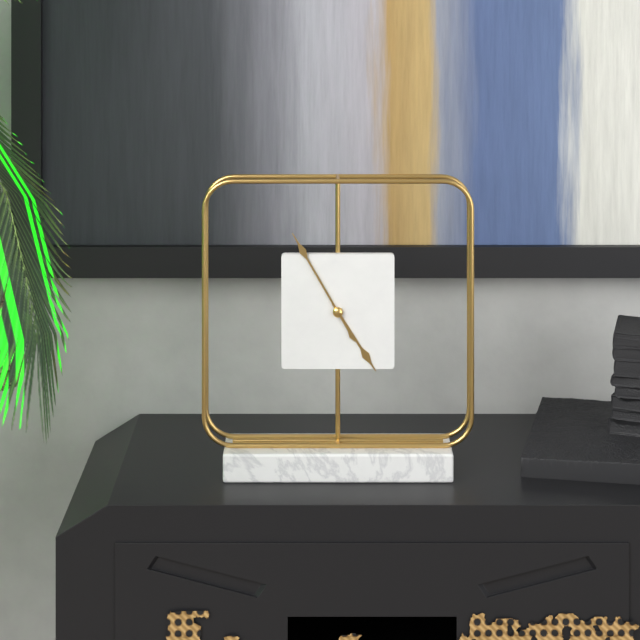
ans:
**4:55**
